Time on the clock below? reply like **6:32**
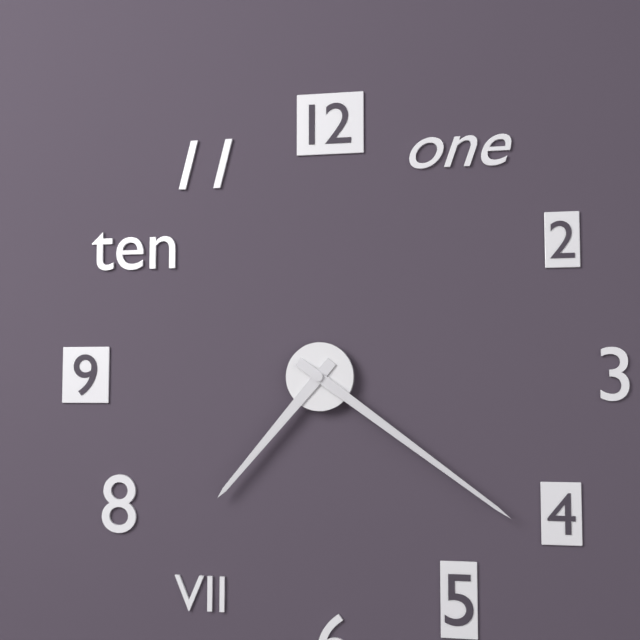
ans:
**7:21**
